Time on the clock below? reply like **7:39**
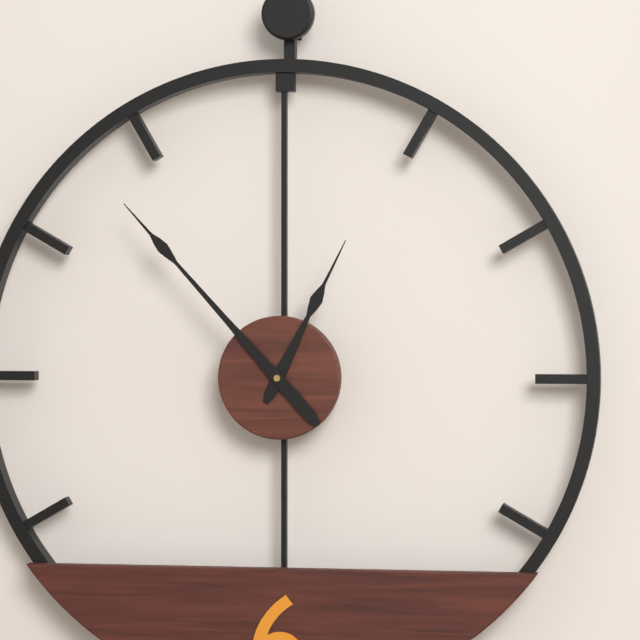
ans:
**12:53**
